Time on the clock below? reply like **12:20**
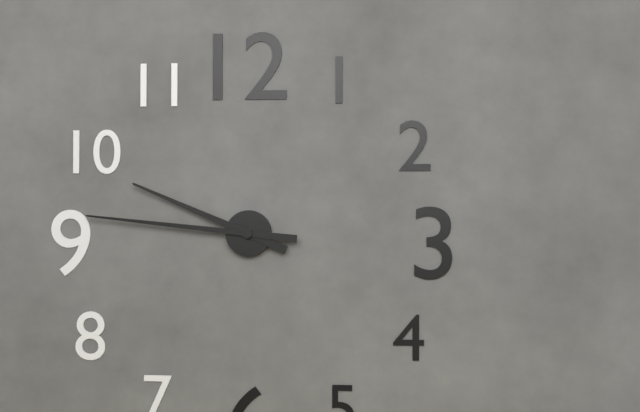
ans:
**9:46**
